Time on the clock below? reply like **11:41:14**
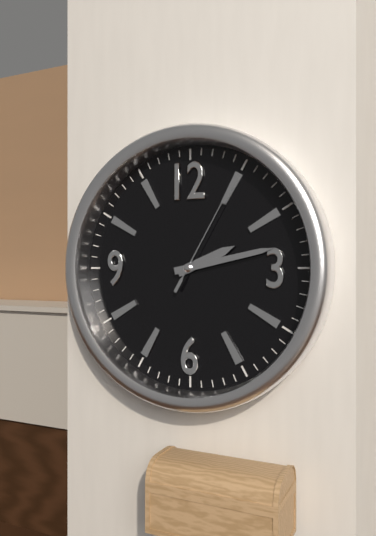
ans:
**2:13:05**
